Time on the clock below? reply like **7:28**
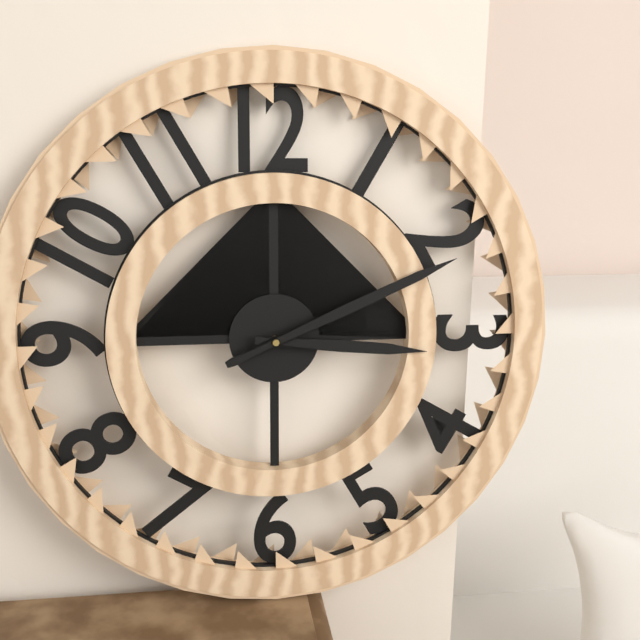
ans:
**3:11**
